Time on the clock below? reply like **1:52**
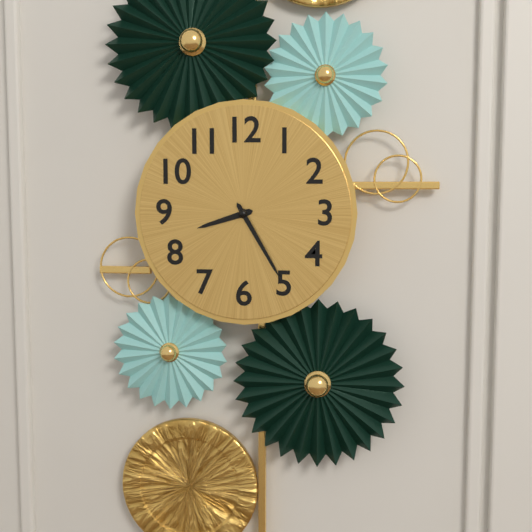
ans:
**8:25**
